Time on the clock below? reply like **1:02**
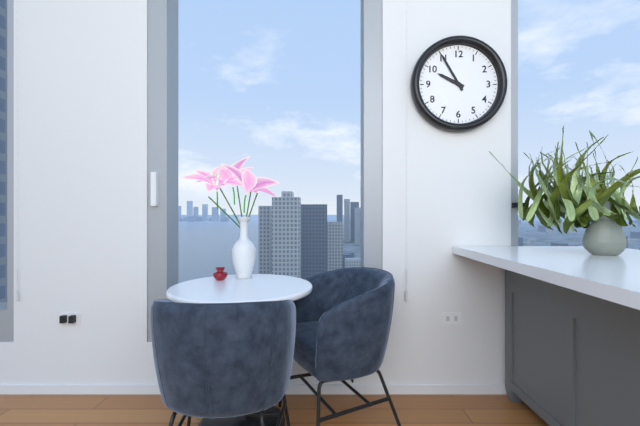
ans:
**9:55**
